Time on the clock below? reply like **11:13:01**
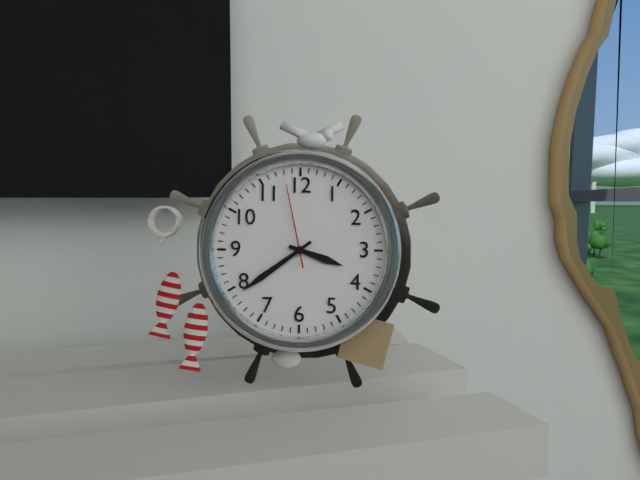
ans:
**3:39:58**
